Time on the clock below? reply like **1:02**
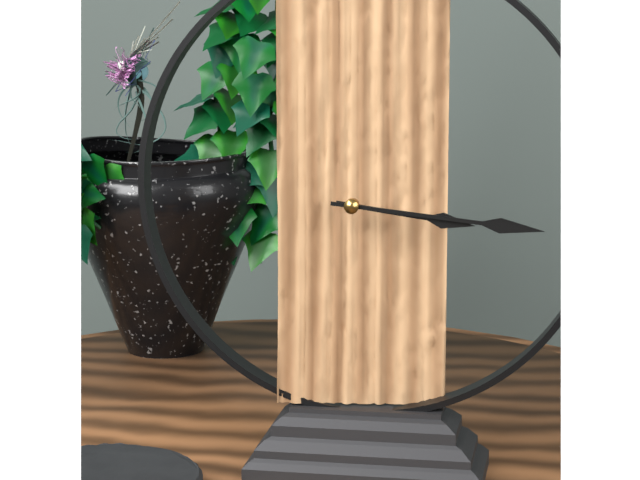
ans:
**3:16**
